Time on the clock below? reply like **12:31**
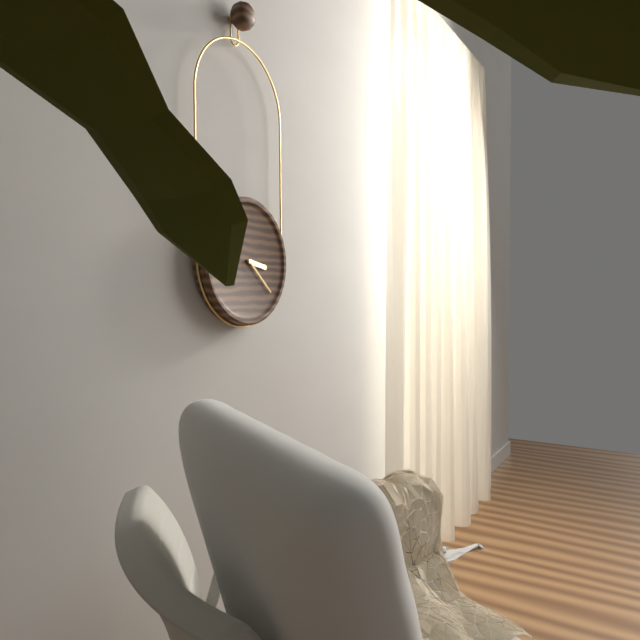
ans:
**3:22**
